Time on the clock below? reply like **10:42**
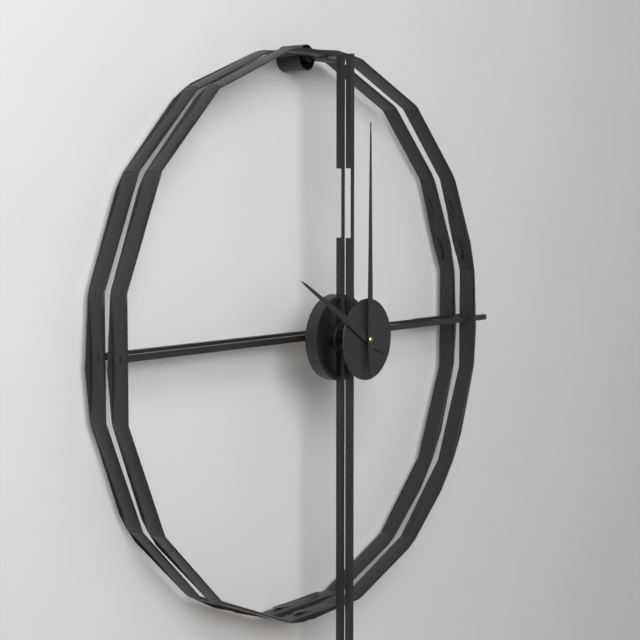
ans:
**10:00**
